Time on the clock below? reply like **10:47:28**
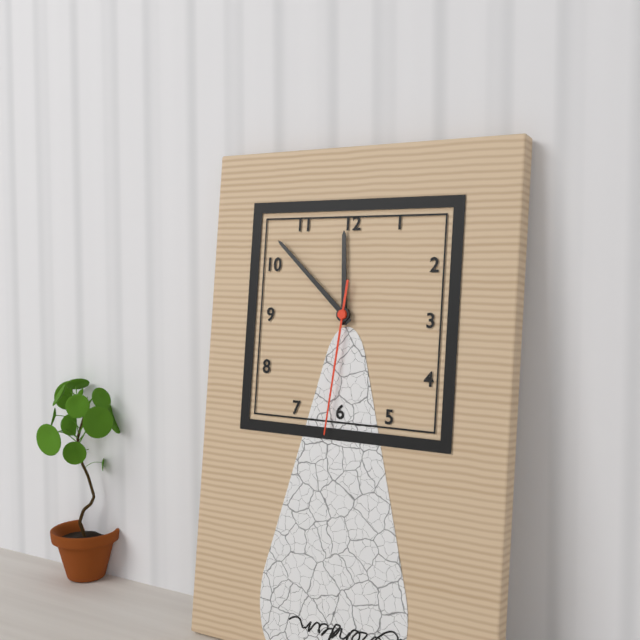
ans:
**11:52:31**
